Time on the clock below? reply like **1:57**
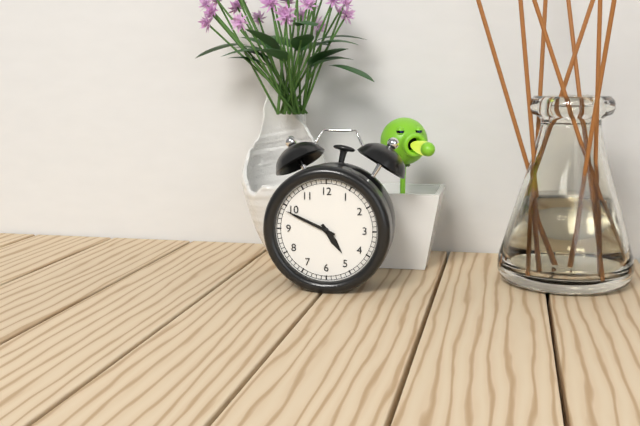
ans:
**4:49**
